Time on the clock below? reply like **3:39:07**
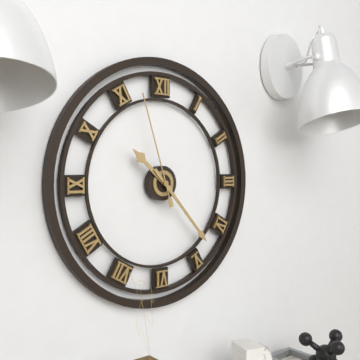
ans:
**10:23:57**
